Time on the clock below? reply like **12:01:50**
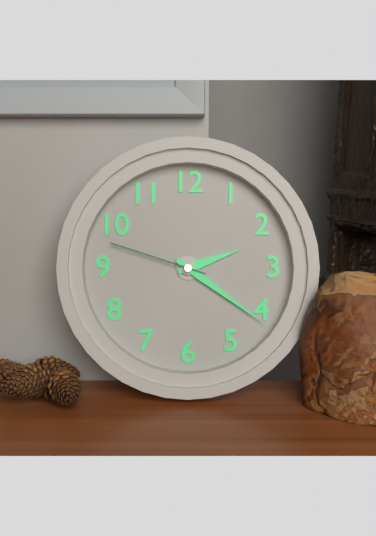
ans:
**2:21:48**
